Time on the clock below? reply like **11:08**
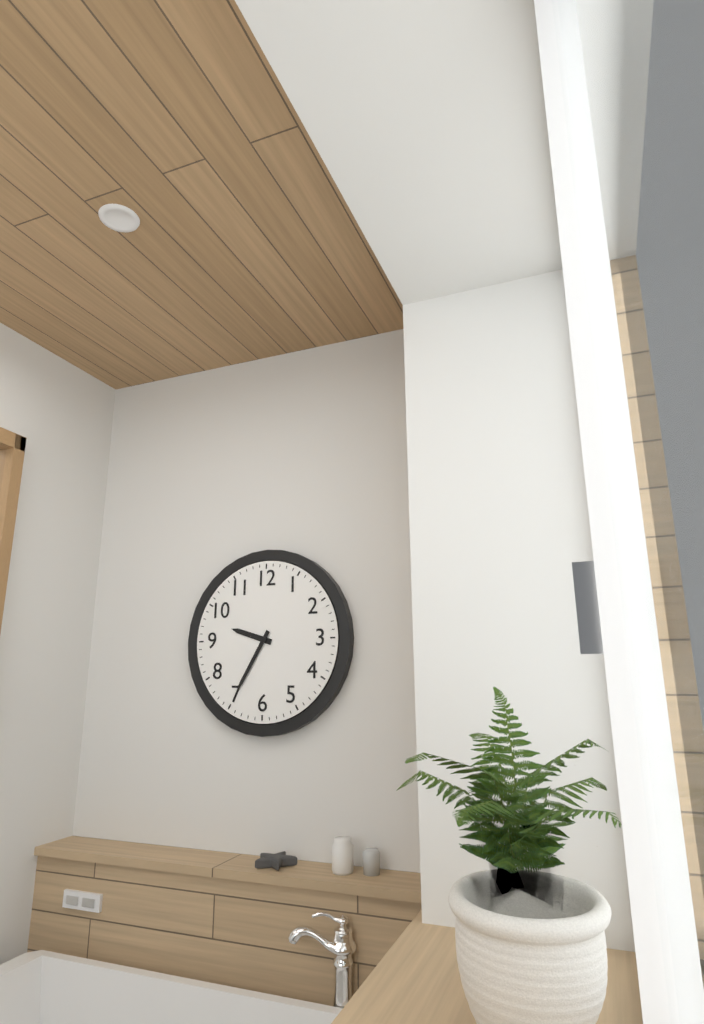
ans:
**9:35**
